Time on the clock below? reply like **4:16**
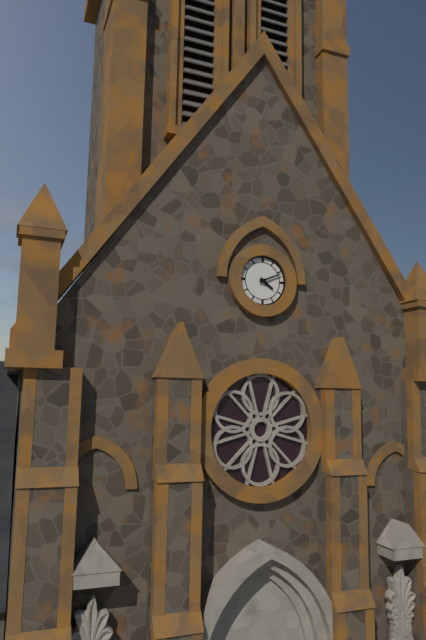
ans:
**4:11**
